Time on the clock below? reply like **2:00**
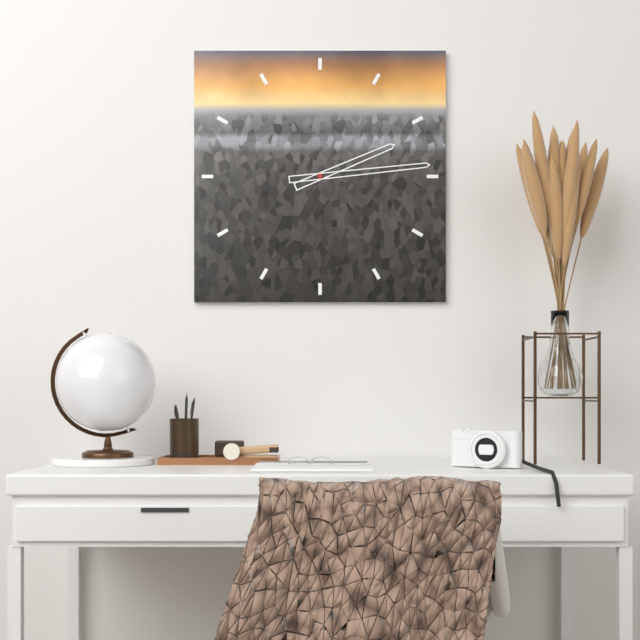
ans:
**2:14**
